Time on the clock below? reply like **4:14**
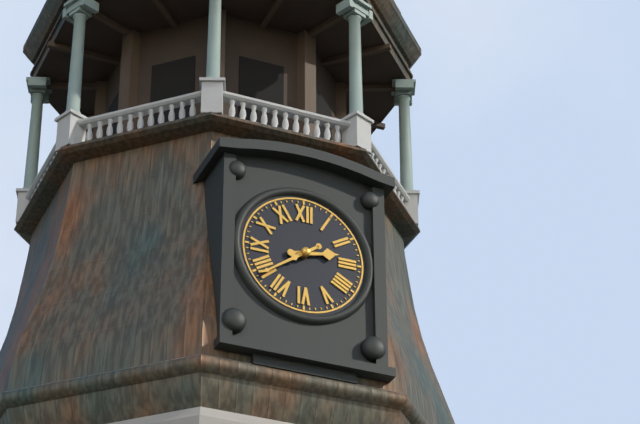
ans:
**2:39**
